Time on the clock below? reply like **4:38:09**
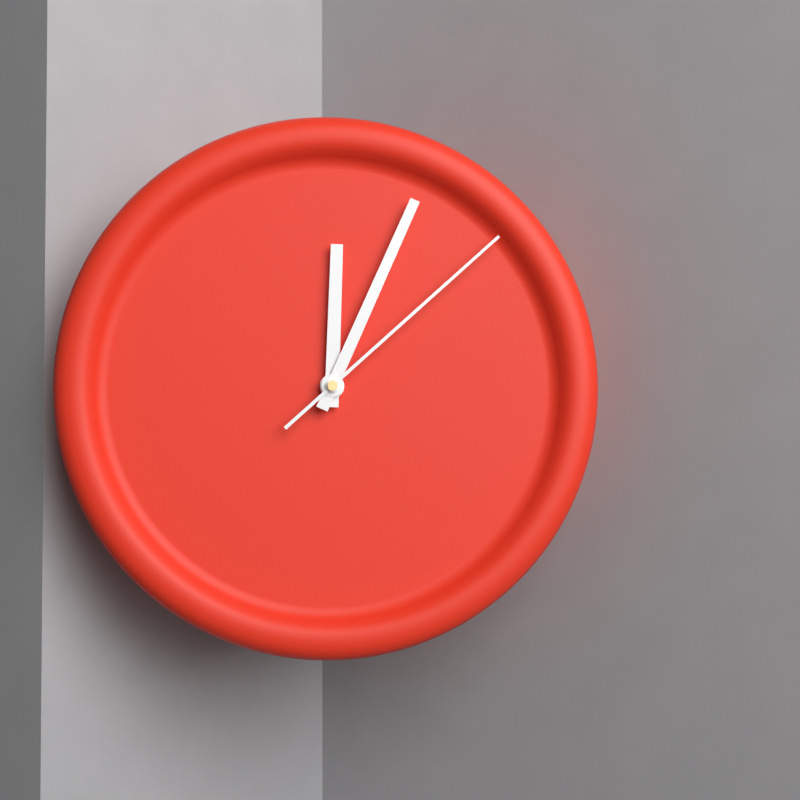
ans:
**12:04:08**
